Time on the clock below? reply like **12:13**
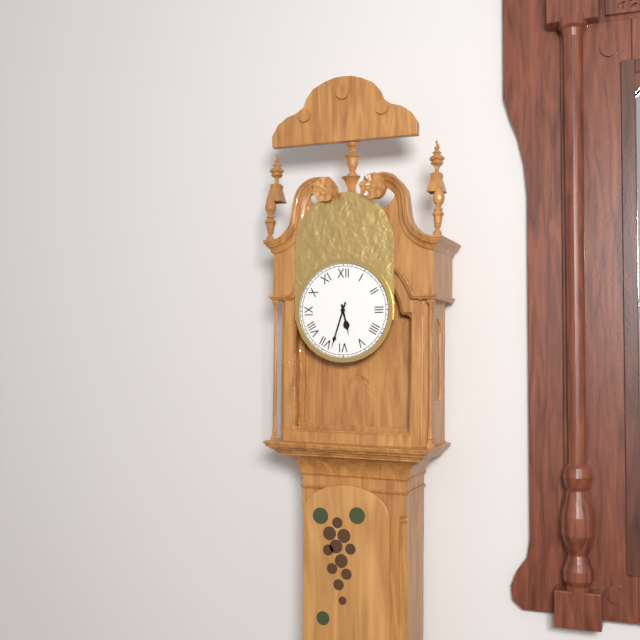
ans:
**5:33**
